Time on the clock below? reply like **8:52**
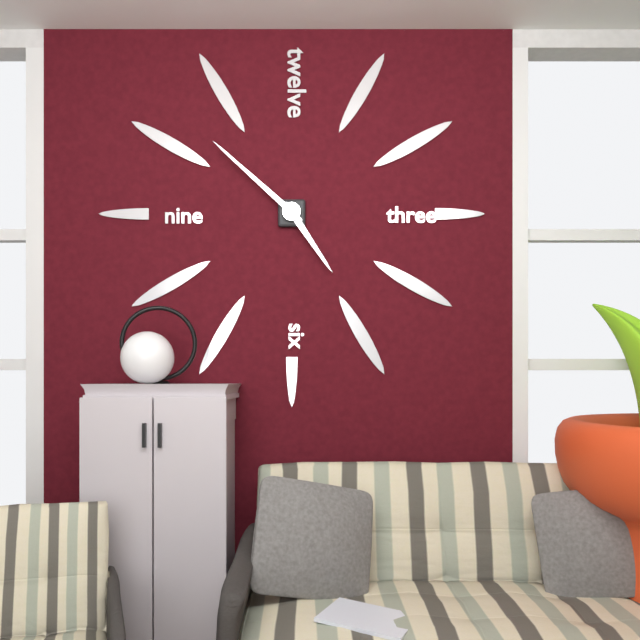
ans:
**4:52**
